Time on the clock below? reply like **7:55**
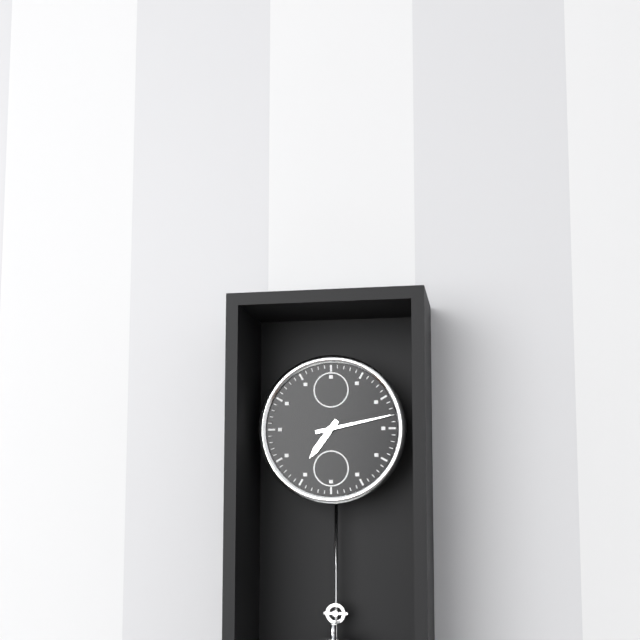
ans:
**7:13**
